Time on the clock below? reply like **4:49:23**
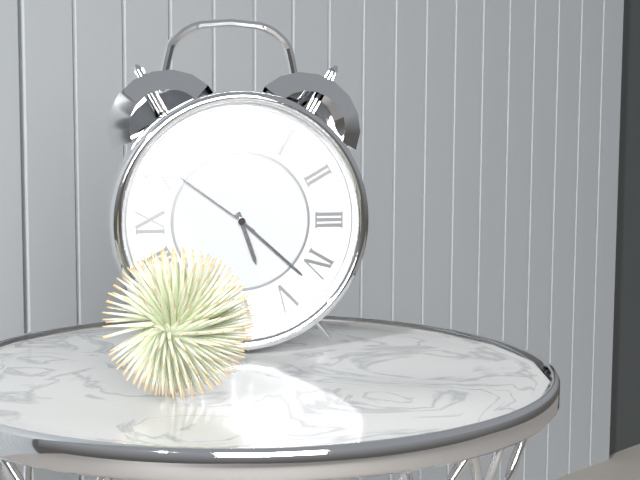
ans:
**5:22:51**
